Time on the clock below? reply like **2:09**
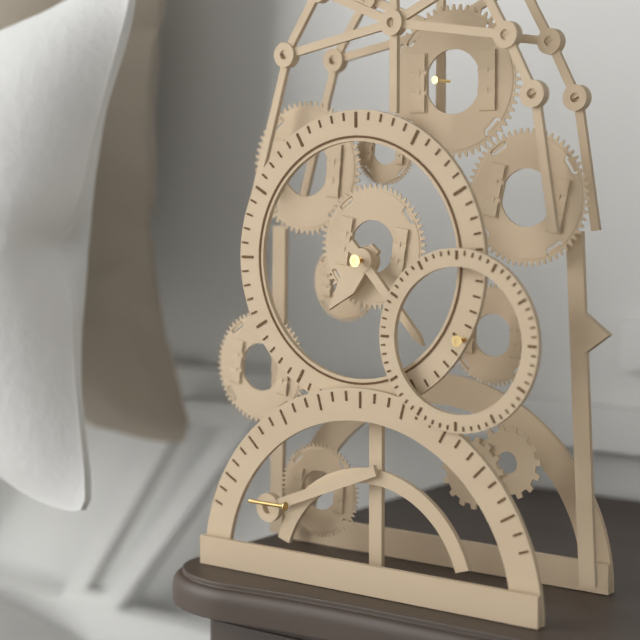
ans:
**7:23**
